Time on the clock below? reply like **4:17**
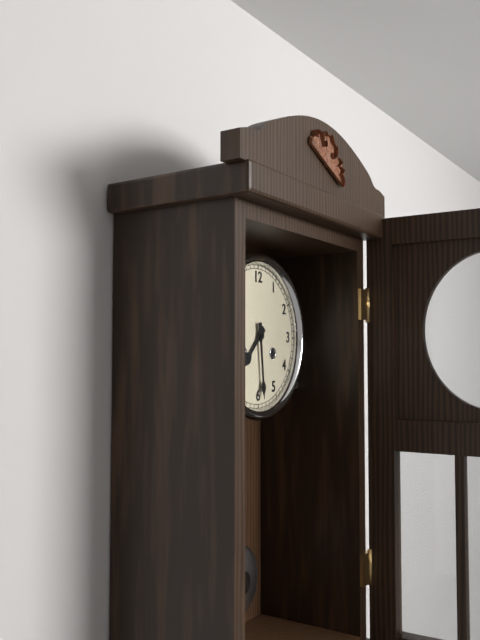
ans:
**7:29**
